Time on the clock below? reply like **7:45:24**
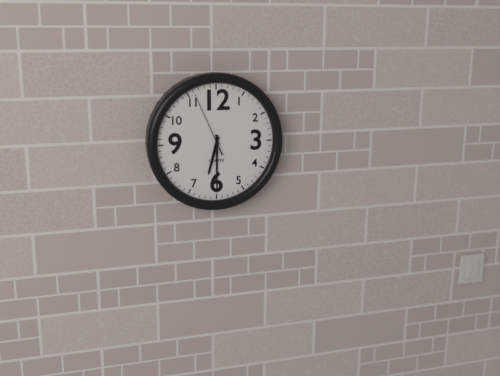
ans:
**6:30:56**
